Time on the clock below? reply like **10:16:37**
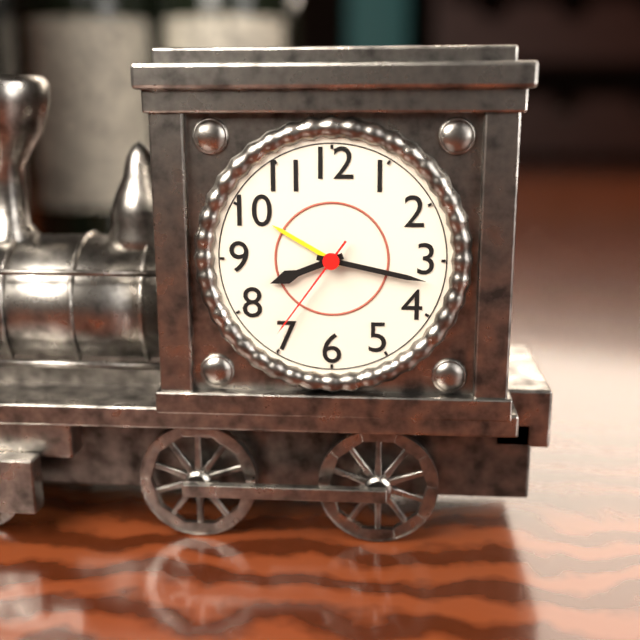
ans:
**8:17:36**
